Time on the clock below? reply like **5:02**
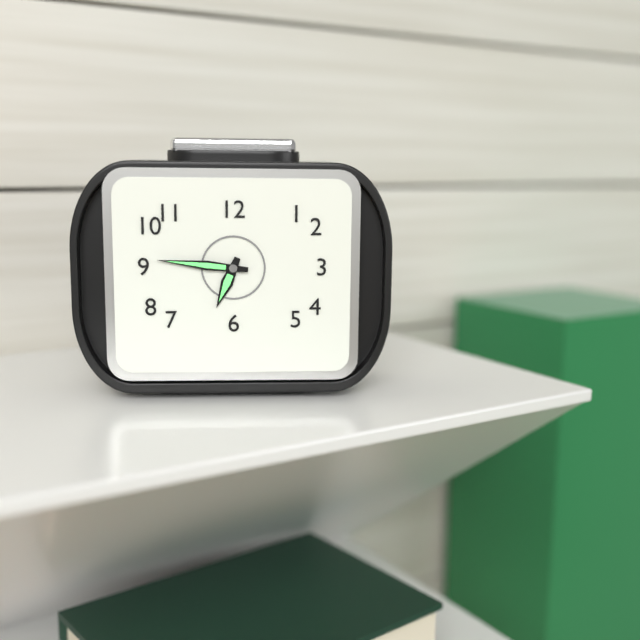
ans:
**6:46**
